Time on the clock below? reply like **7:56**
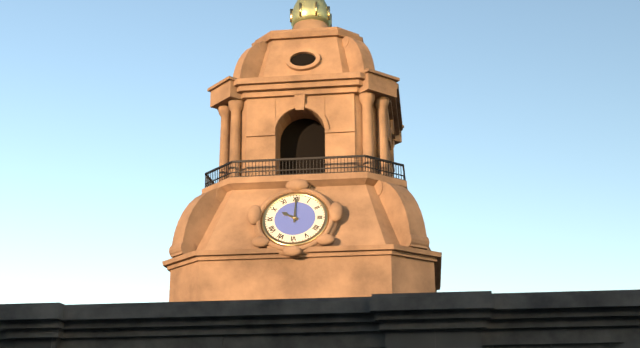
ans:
**10:00**
